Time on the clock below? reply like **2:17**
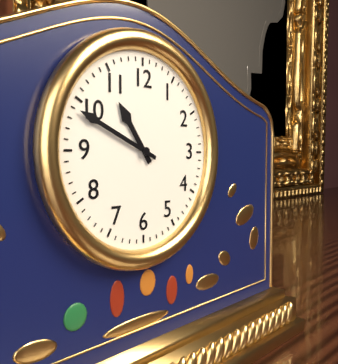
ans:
**10:49**
